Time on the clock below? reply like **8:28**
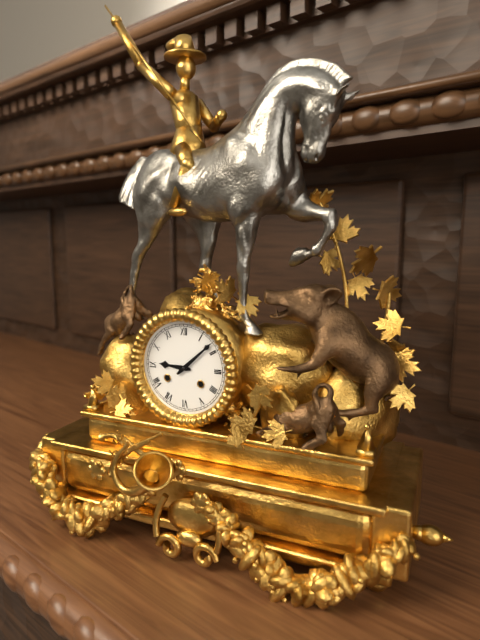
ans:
**9:08**
